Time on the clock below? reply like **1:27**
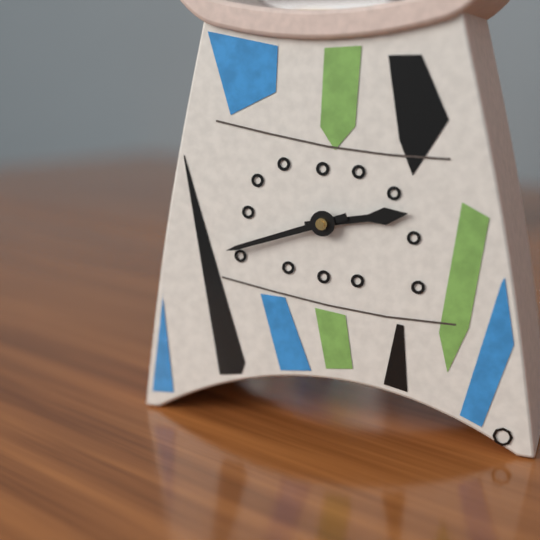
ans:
**2:42**
